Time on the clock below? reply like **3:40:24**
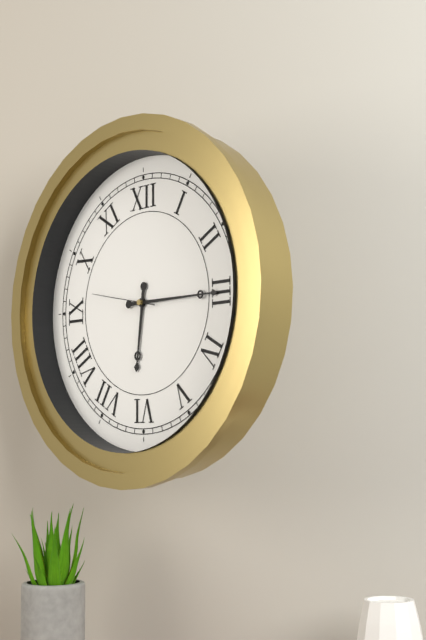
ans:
**6:15:47**
